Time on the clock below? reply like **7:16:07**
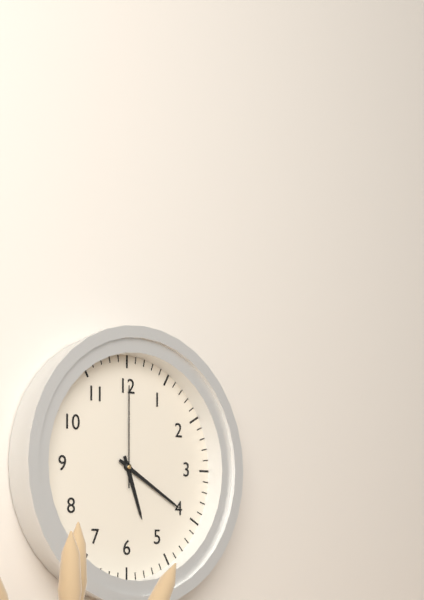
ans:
**5:20:00**
